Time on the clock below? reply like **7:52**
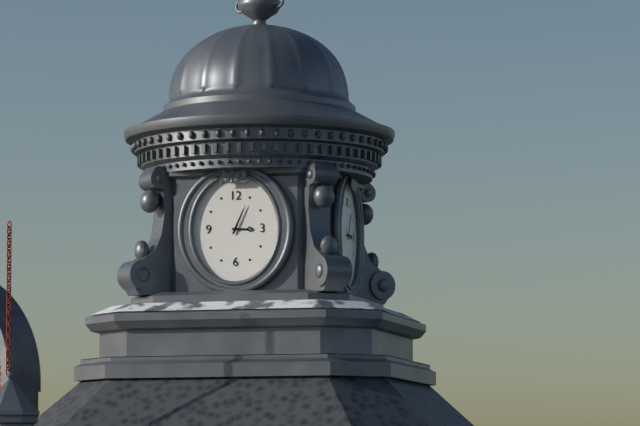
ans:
**3:04**
